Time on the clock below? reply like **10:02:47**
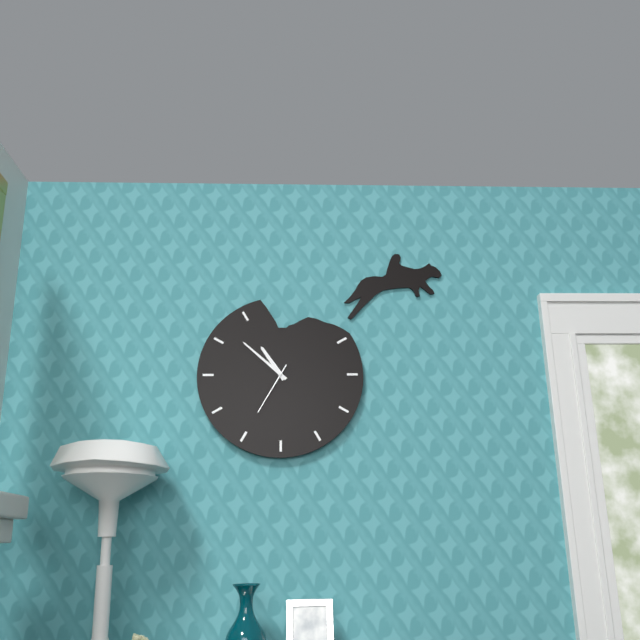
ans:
**10:52:35**
